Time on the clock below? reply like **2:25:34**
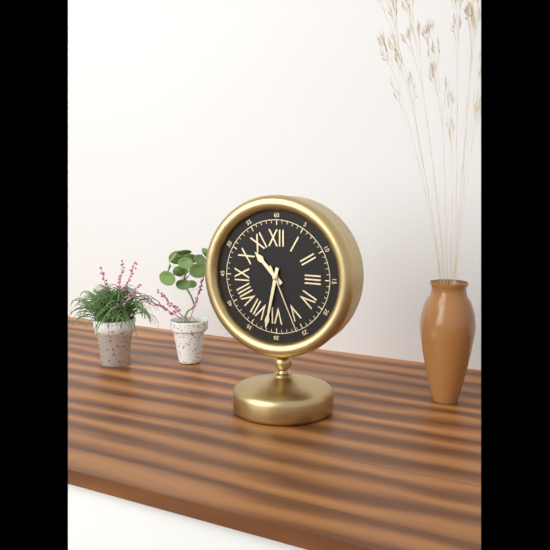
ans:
**10:32:26**
